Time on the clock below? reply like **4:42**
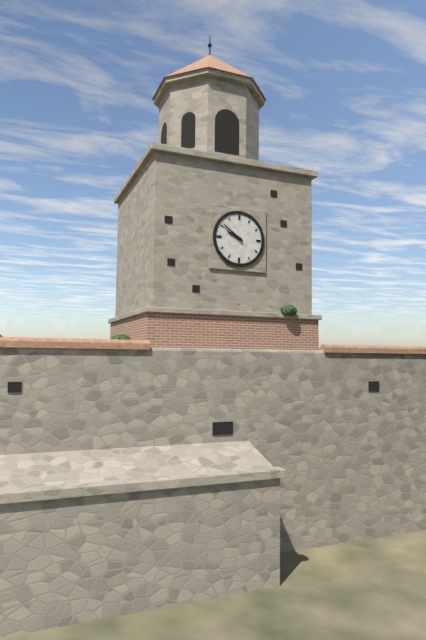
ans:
**9:51**
